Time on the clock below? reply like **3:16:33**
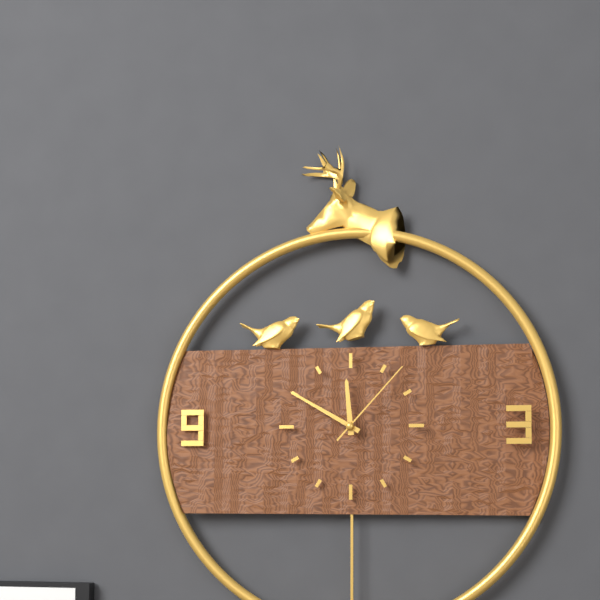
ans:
**11:50:07**
